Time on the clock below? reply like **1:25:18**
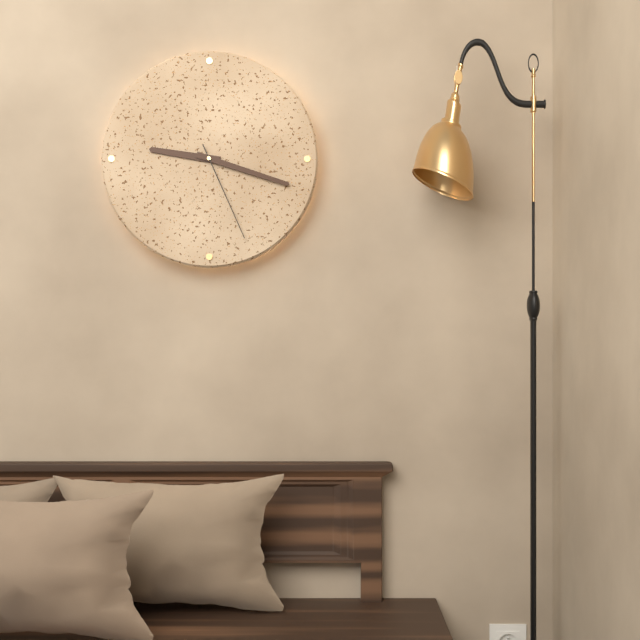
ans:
**9:18:26**
